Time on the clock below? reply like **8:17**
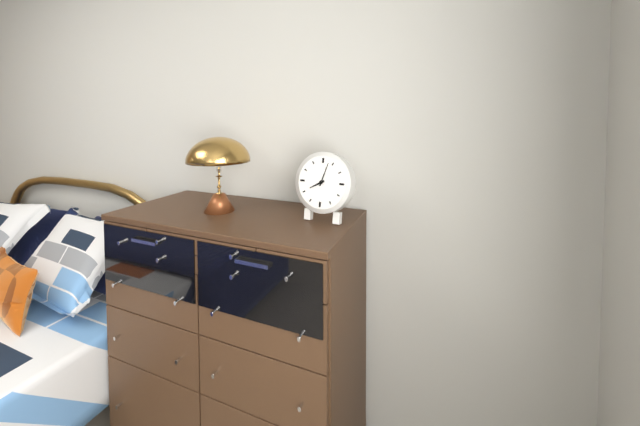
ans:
**8:03**
